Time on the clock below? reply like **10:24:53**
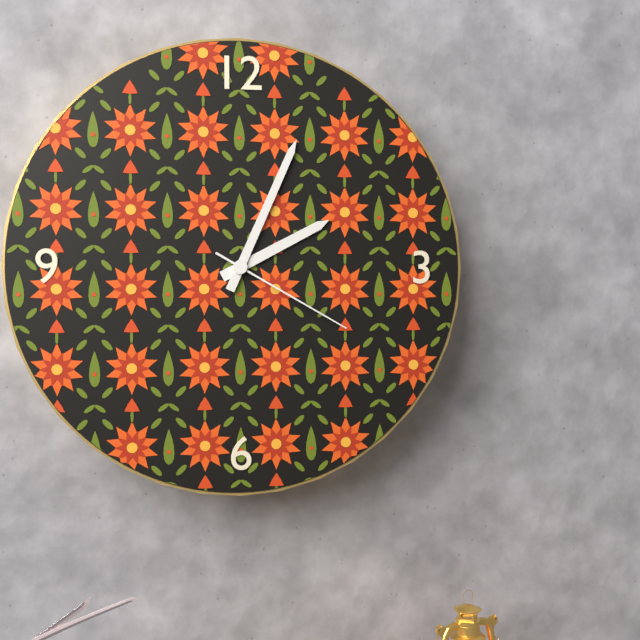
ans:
**2:04:20**
